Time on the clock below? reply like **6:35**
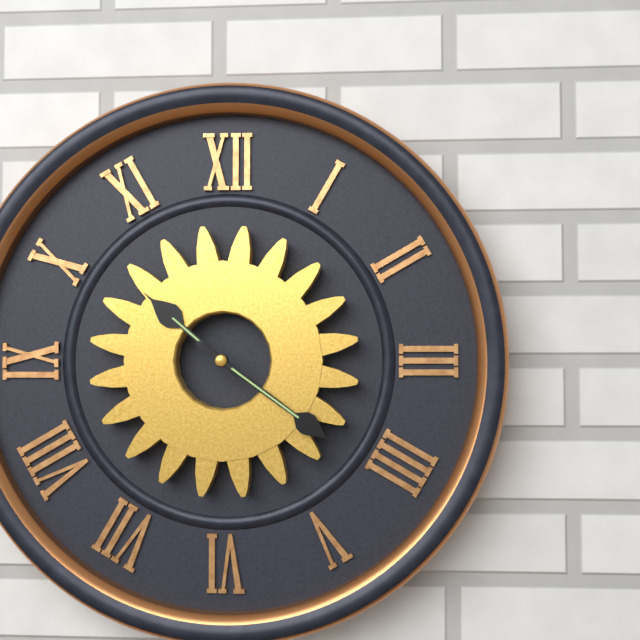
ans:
**10:21**
